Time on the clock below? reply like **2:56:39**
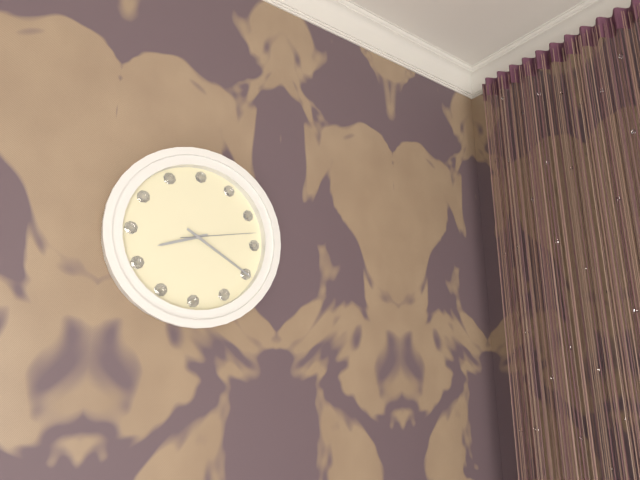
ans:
**8:20:13**
